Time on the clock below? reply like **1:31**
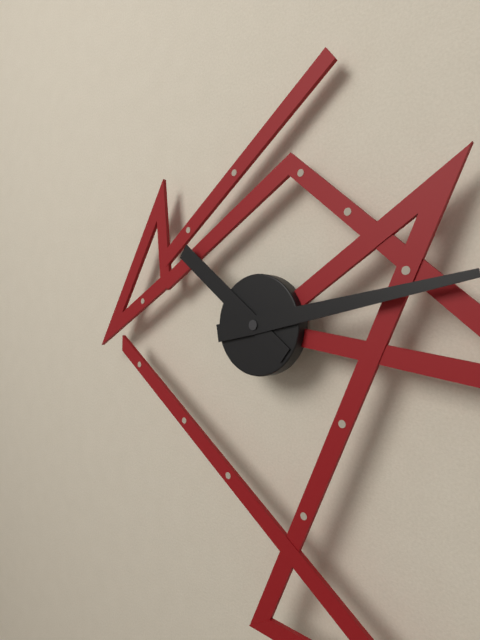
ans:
**10:13**
